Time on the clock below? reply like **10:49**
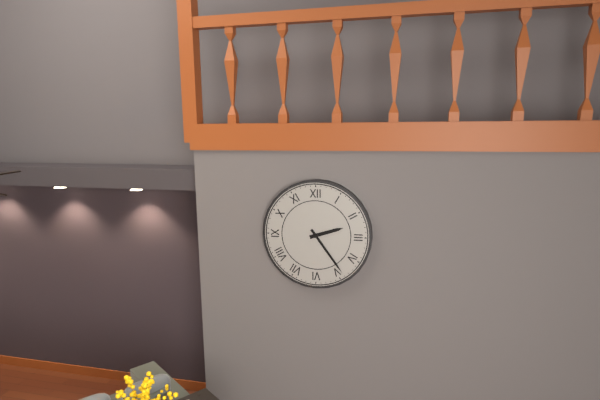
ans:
**2:24**
